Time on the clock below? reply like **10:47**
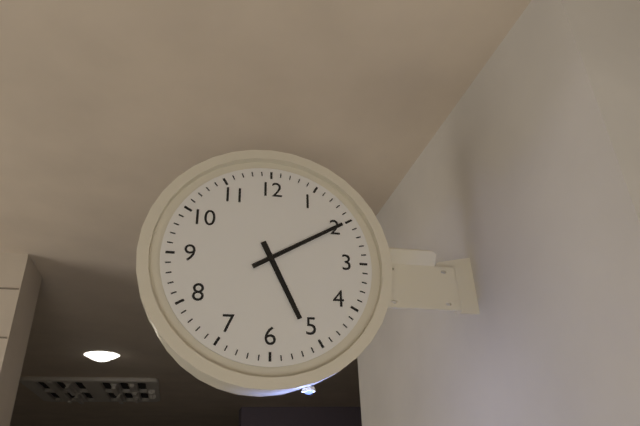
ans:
**5:10**
